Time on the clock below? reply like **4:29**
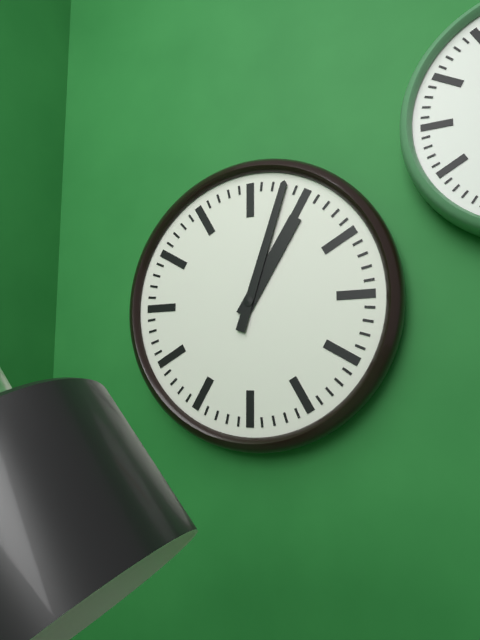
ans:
**1:03**
